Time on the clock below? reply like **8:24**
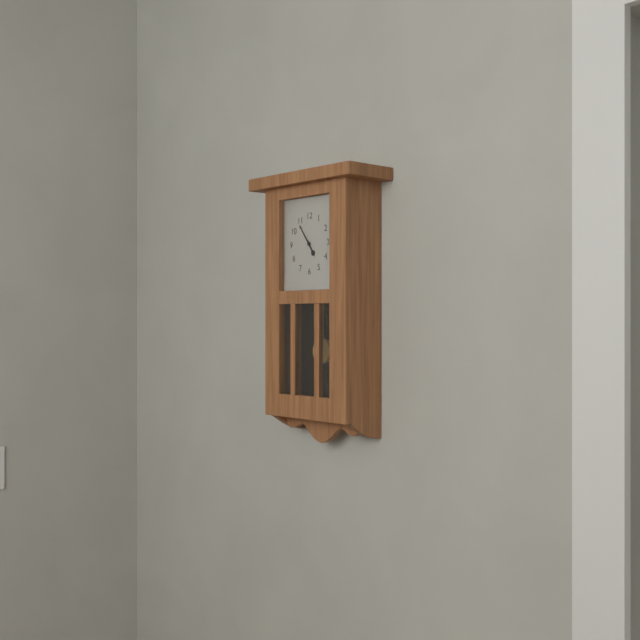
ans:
**4:54**
